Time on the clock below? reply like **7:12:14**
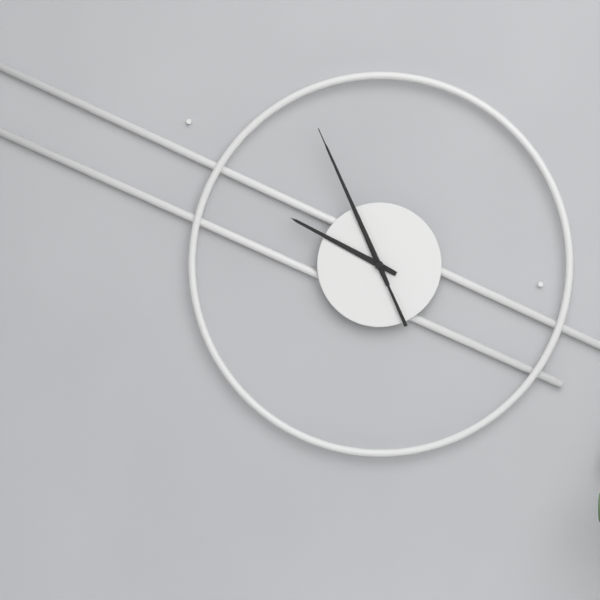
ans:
**9:56:56**
